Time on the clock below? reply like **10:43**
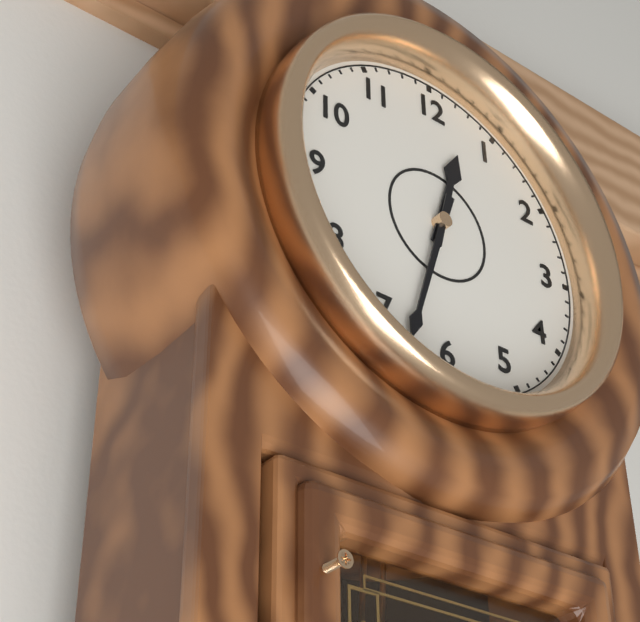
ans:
**12:33**
